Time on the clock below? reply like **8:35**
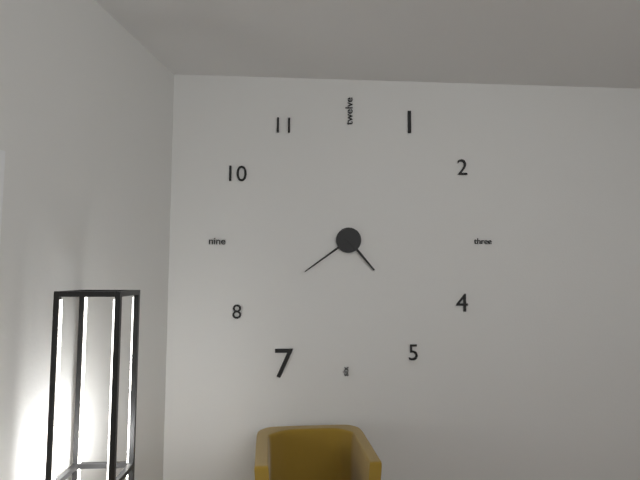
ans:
**4:39**
